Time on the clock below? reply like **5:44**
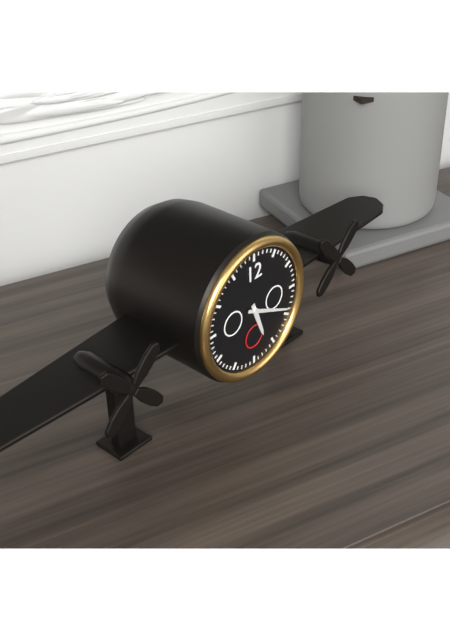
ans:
**5:19**
